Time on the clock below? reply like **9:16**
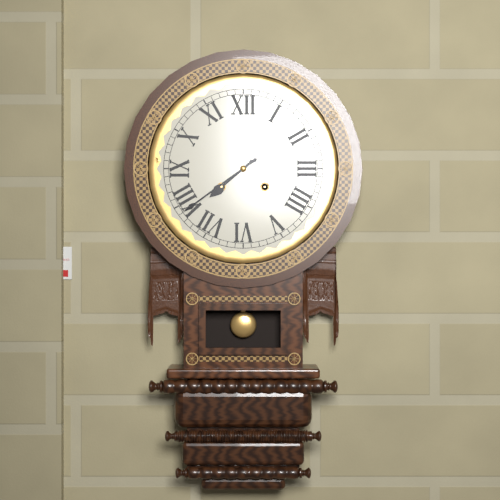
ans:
**7:39**
